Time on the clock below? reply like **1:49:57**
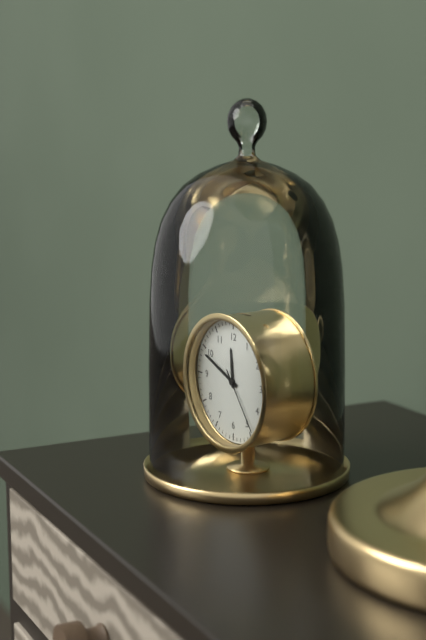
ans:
**11:49:24**
